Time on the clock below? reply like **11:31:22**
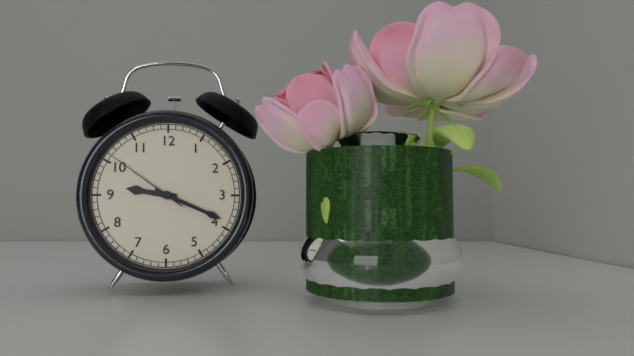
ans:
**9:19:51**
